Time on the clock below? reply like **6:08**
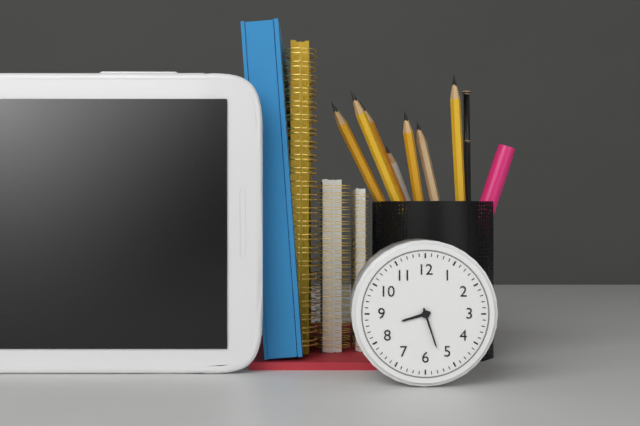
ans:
**8:27**
